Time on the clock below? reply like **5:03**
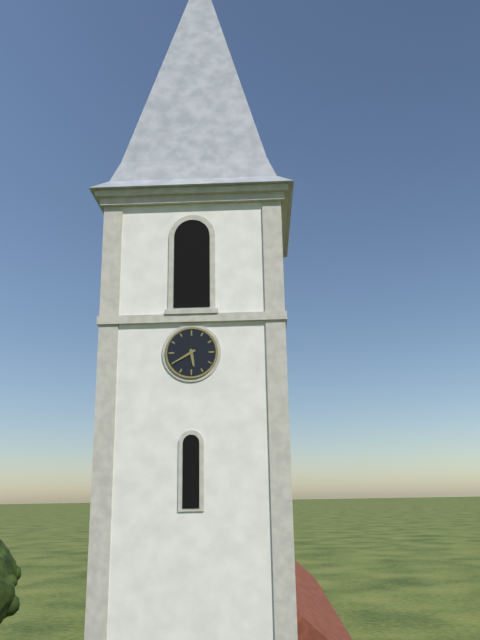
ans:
**5:40**
